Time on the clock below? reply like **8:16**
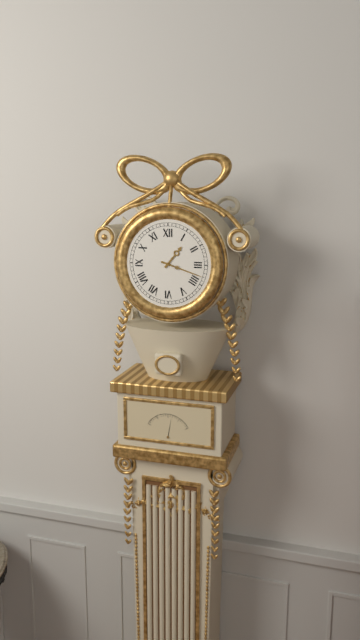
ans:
**1:18**
